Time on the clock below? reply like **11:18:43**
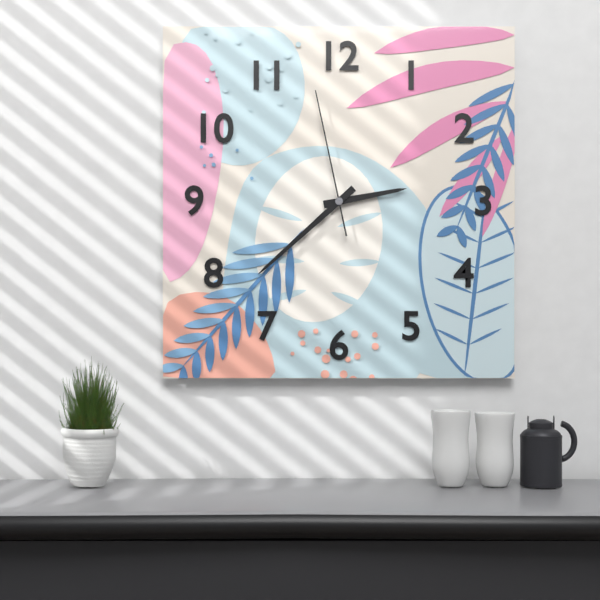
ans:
**2:38:58**
